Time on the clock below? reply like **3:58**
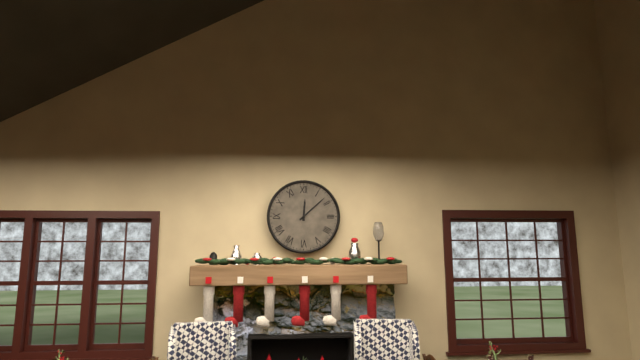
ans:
**12:08**
